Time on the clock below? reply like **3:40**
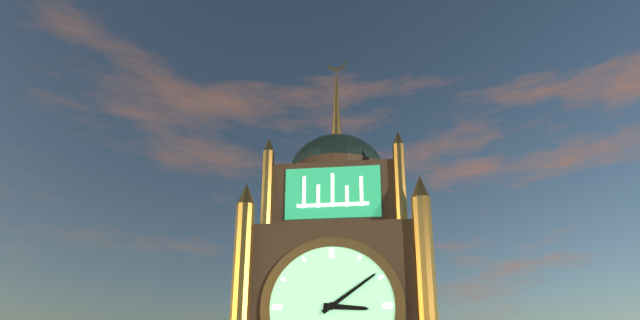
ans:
**3:09**
